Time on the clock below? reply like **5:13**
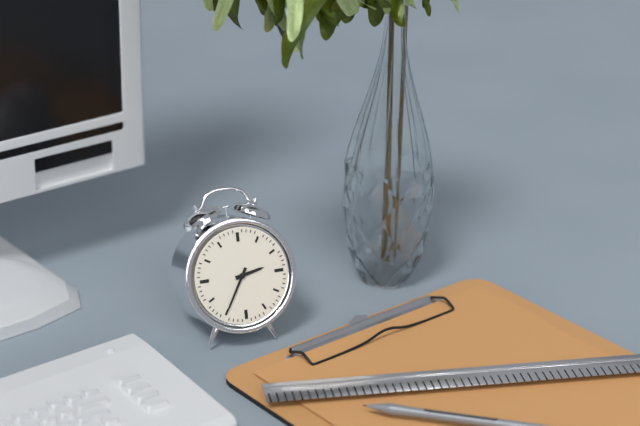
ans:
**2:35**
